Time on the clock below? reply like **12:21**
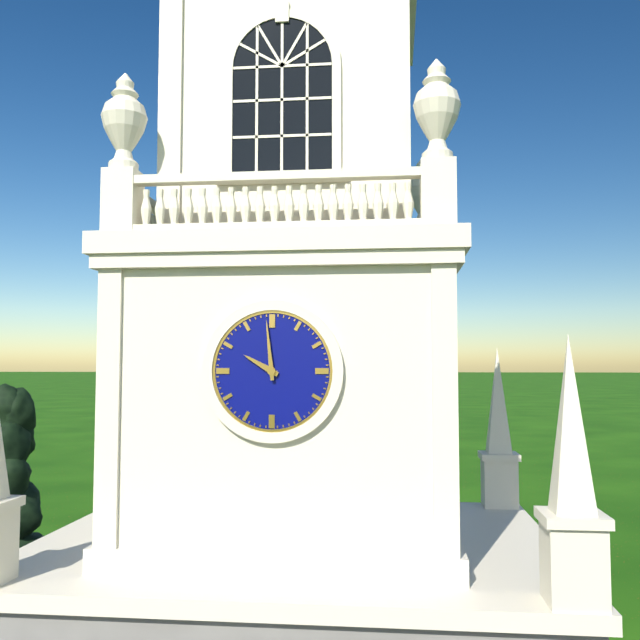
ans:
**9:59**
